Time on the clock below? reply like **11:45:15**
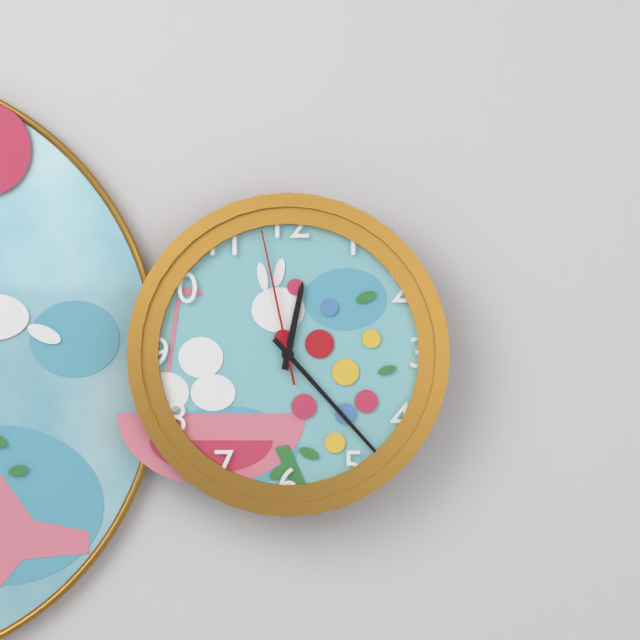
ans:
**12:23:58**
